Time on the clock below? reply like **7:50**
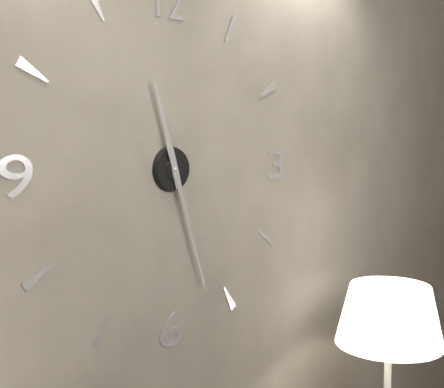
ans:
**11:27**
